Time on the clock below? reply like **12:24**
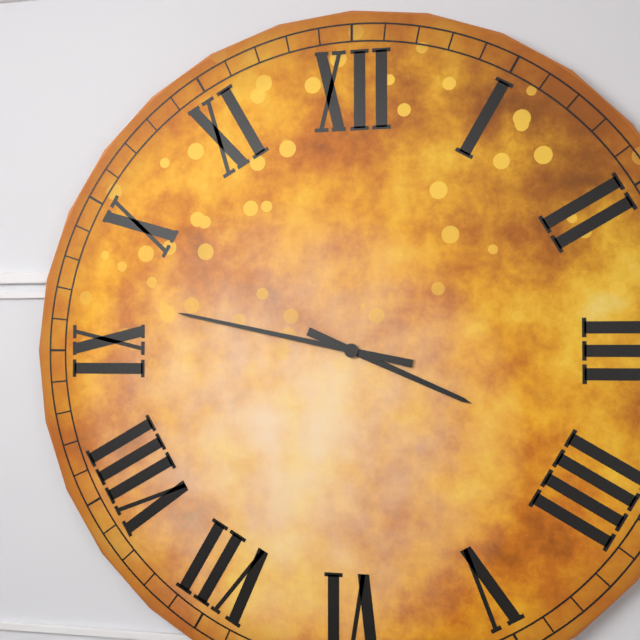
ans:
**3:47**
